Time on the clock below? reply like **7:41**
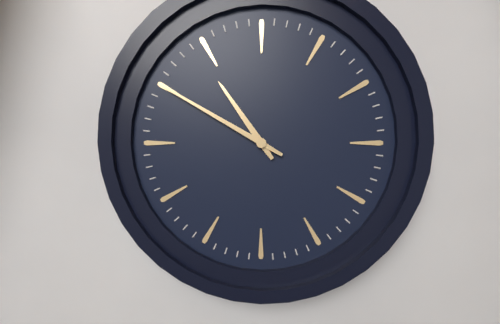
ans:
**10:50**
